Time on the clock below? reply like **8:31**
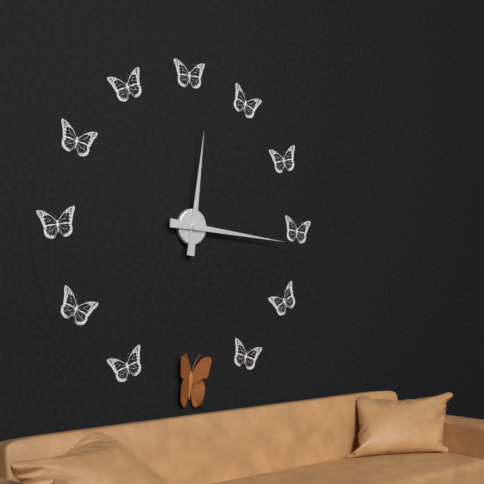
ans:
**12:16**
